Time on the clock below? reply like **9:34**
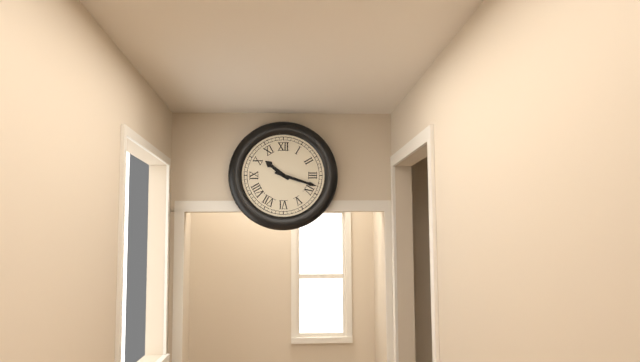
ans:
**10:18**
